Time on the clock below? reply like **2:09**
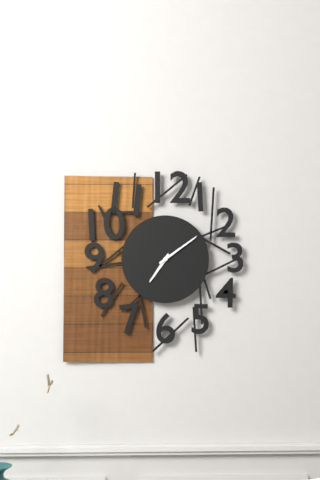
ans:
**7:09**
